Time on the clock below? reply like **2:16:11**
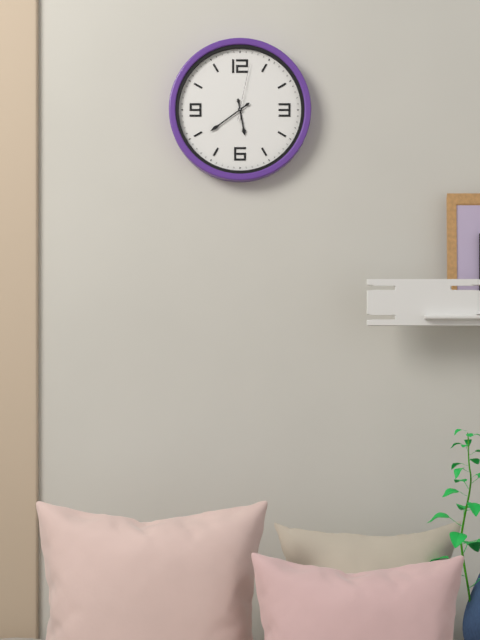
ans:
**5:39:02**
